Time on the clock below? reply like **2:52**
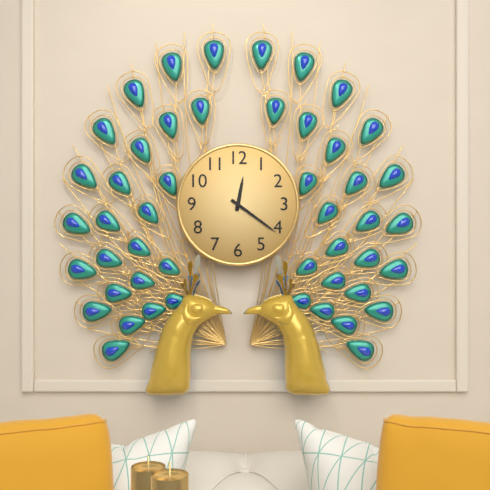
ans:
**12:21**
